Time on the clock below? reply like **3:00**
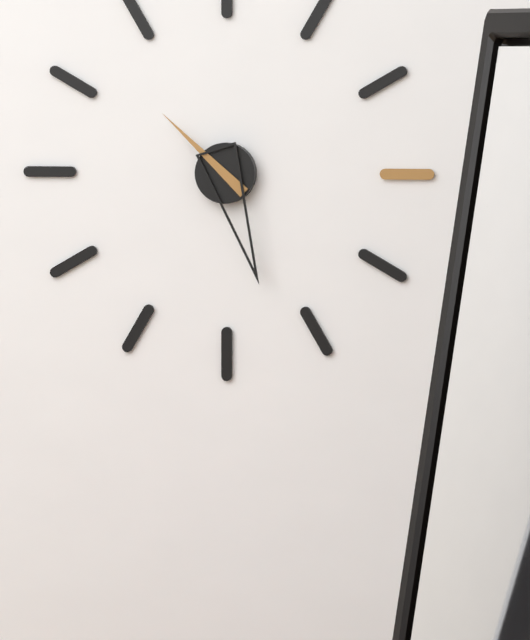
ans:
**10:27**
